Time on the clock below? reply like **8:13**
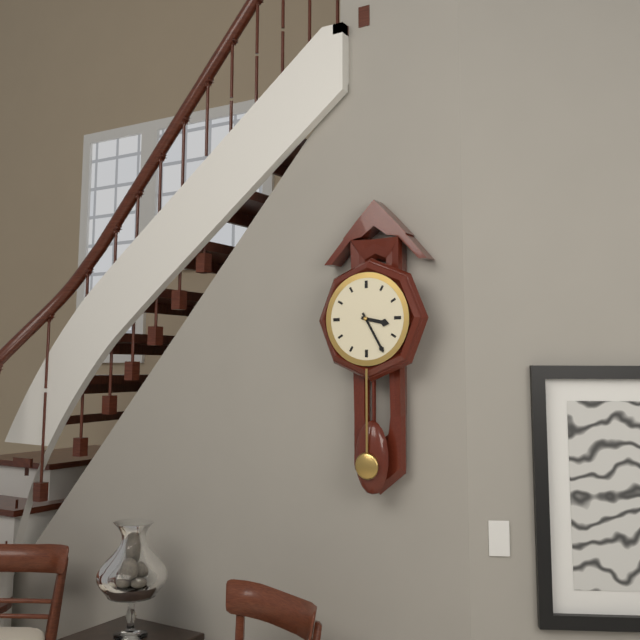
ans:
**3:25**
